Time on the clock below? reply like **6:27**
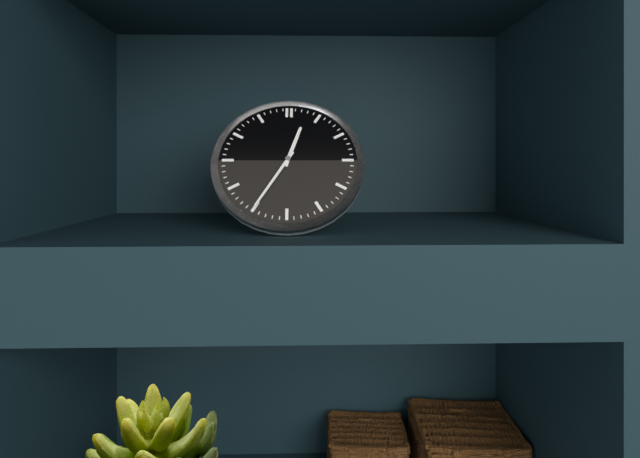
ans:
**12:35**
